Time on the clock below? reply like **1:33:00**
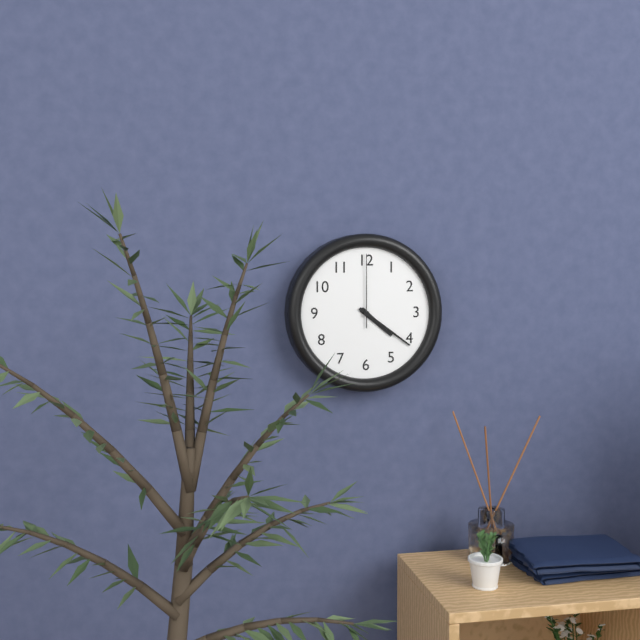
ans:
**4:21:00**
